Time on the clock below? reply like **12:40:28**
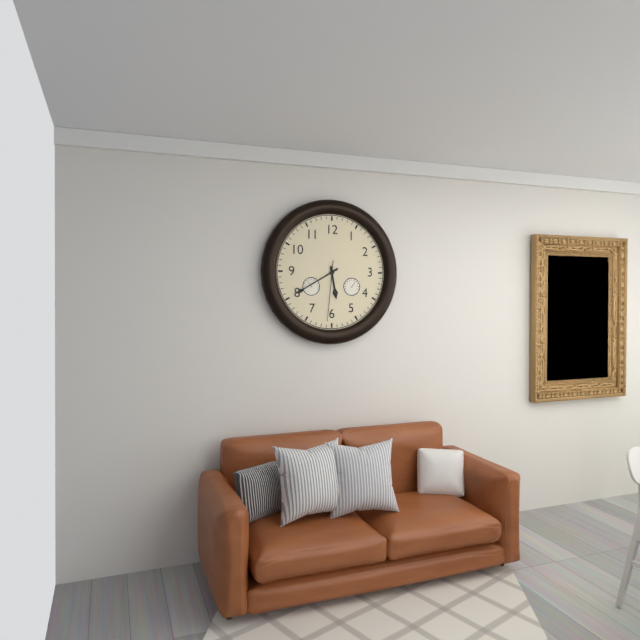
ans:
**5:40:31**
